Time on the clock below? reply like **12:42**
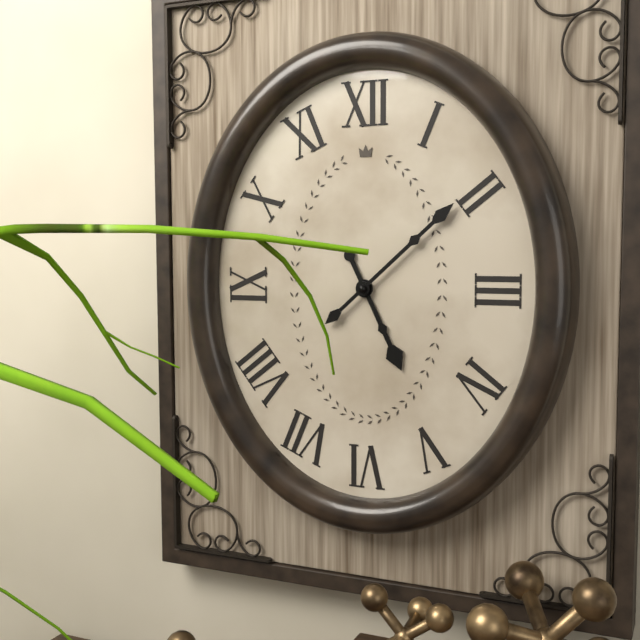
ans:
**5:08**
